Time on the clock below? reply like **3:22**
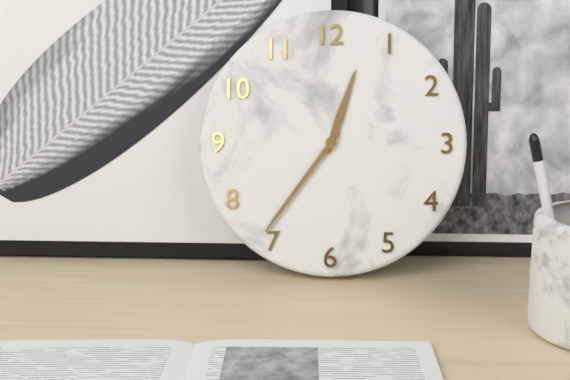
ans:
**12:36**
